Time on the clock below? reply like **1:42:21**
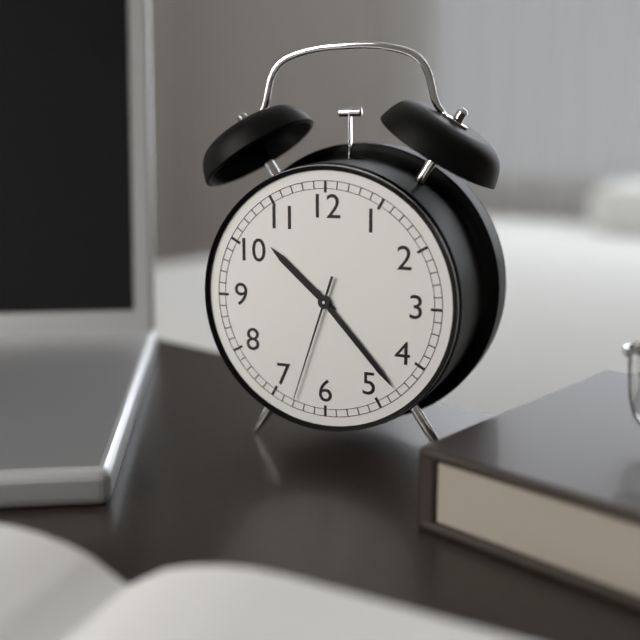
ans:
**10:23:33**
